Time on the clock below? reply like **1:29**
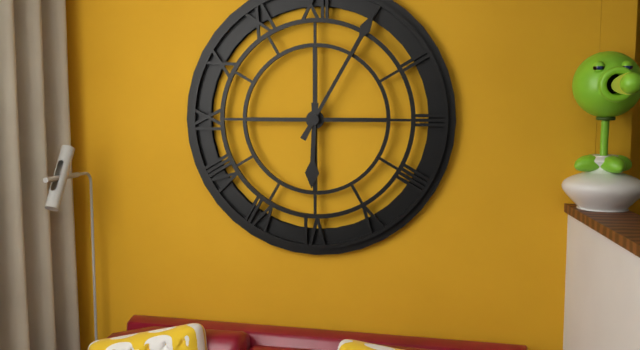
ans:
**6:05**
